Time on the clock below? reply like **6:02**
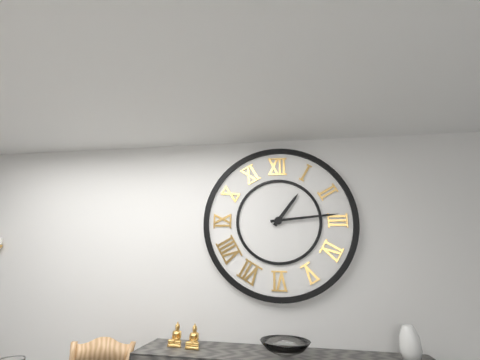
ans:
**1:14**
